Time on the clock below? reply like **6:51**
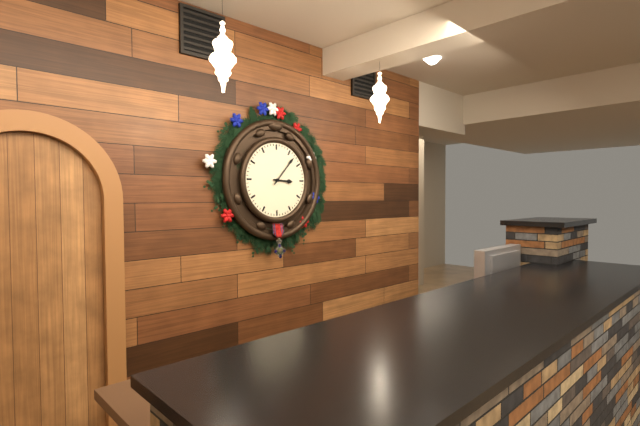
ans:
**3:07**
